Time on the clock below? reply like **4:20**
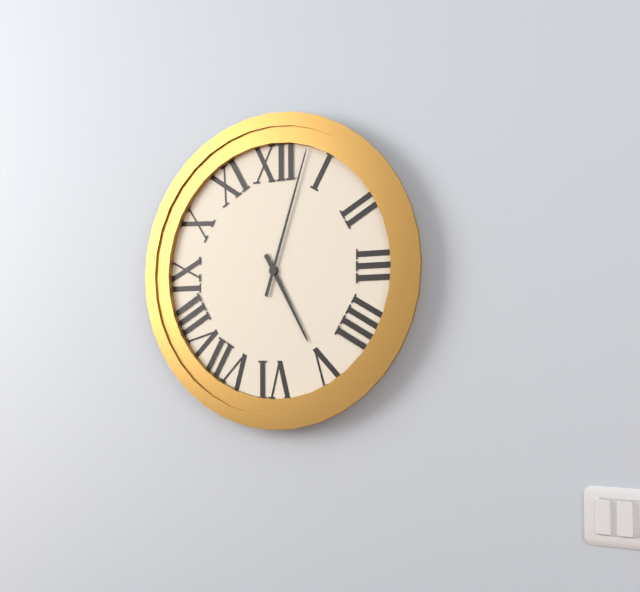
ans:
**5:03**
